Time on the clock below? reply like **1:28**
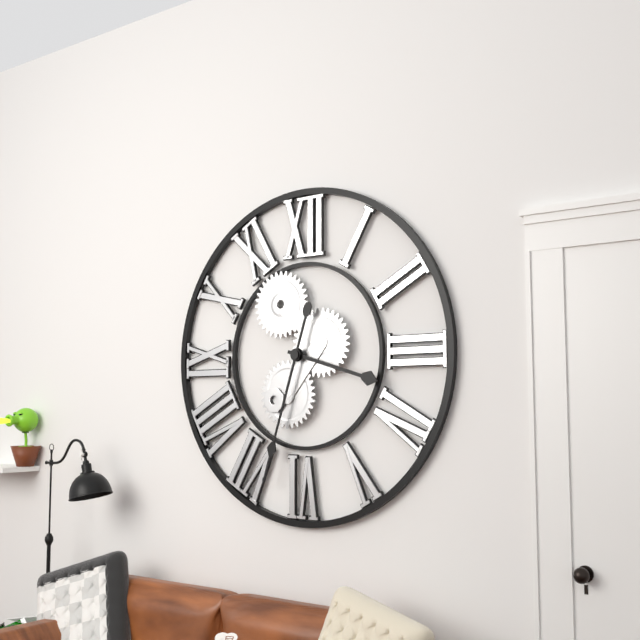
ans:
**3:33**
